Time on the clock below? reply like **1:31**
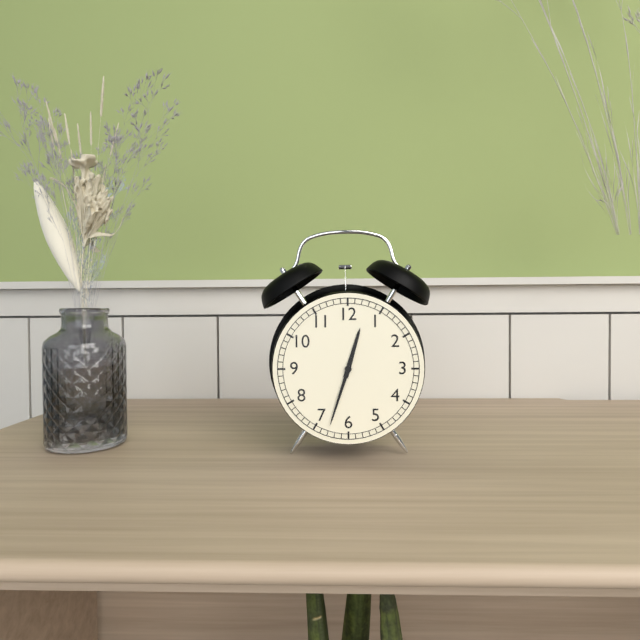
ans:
**12:33**
